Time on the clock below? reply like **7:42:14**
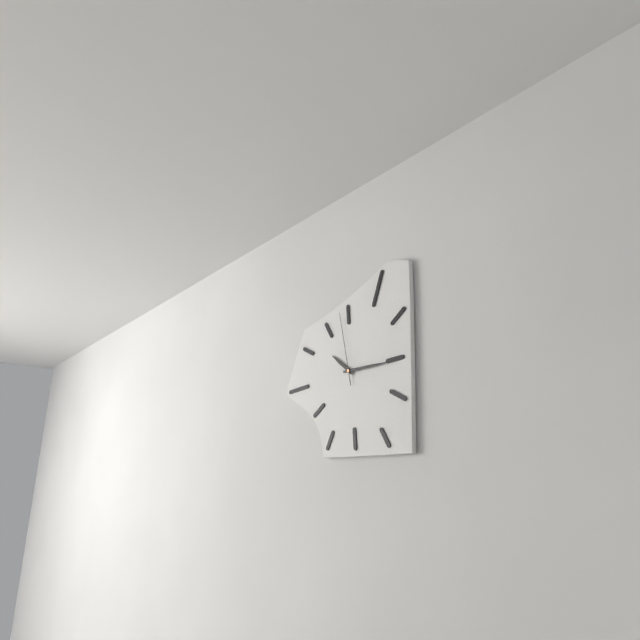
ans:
**10:15:58**
